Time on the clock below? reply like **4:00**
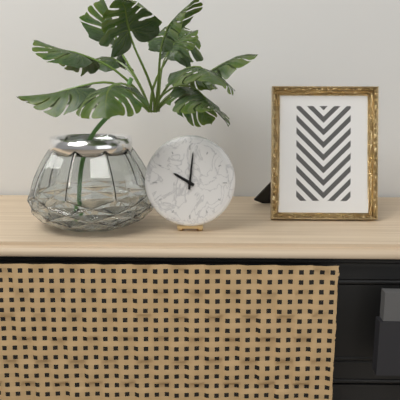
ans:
**10:01**
